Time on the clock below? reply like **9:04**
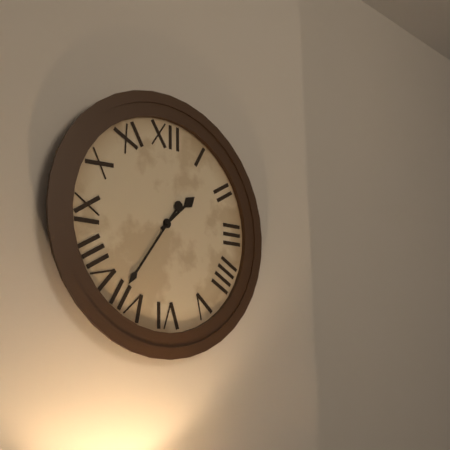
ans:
**1:36**
